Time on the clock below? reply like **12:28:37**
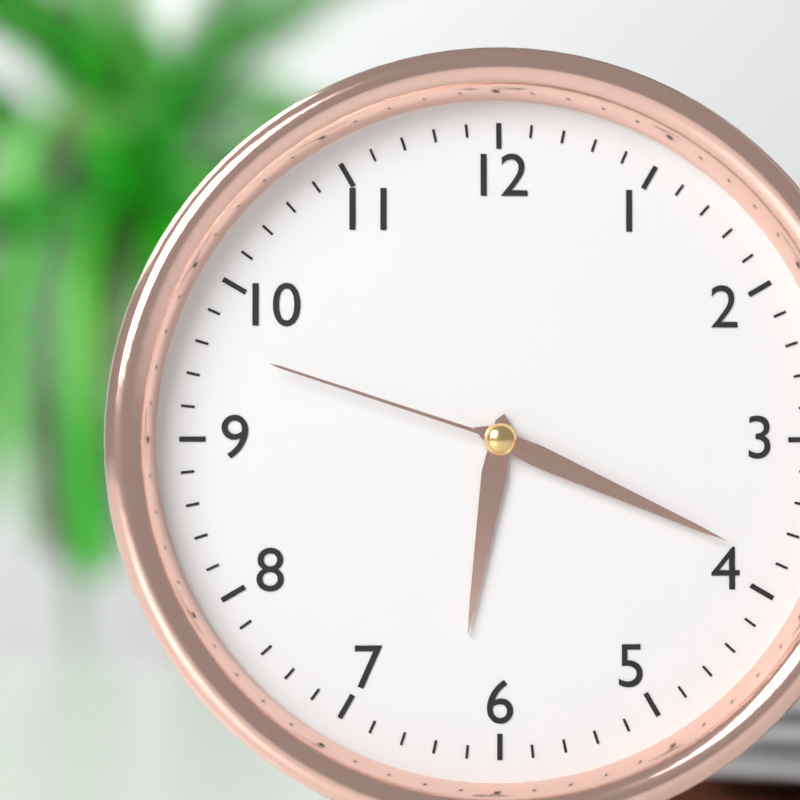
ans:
**6:19:48**
